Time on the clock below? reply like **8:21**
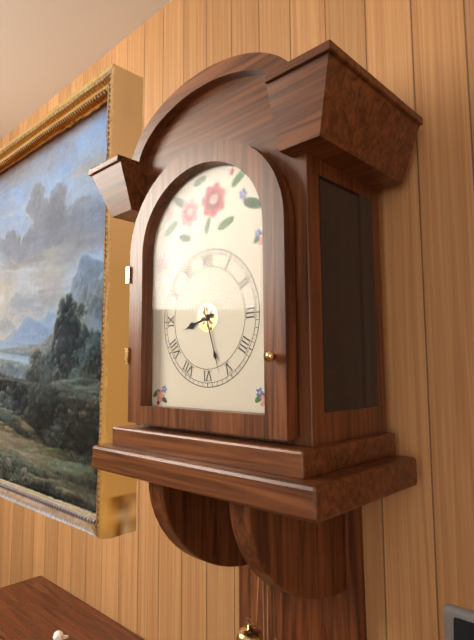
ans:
**8:27**
